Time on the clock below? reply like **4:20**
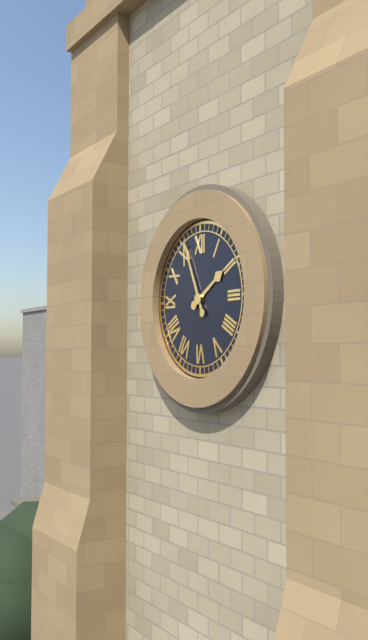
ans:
**1:56**
